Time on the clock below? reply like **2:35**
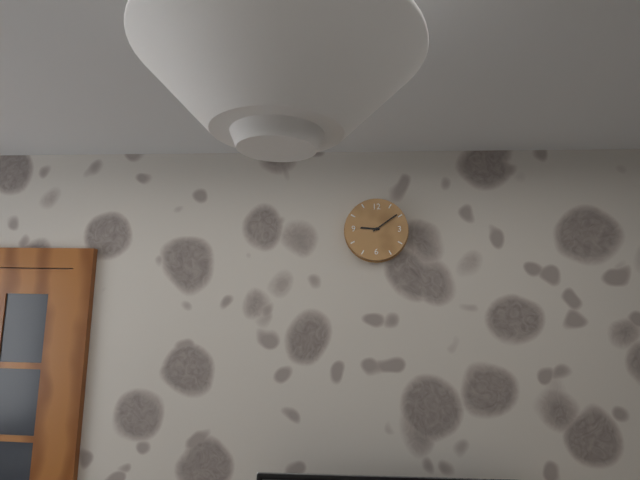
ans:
**9:09**
